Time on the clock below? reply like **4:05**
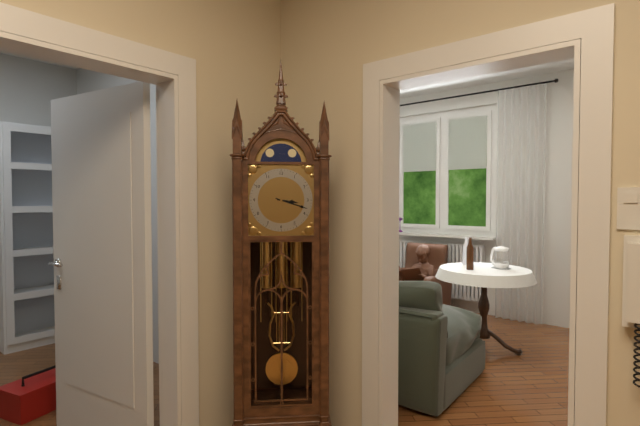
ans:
**3:18**
